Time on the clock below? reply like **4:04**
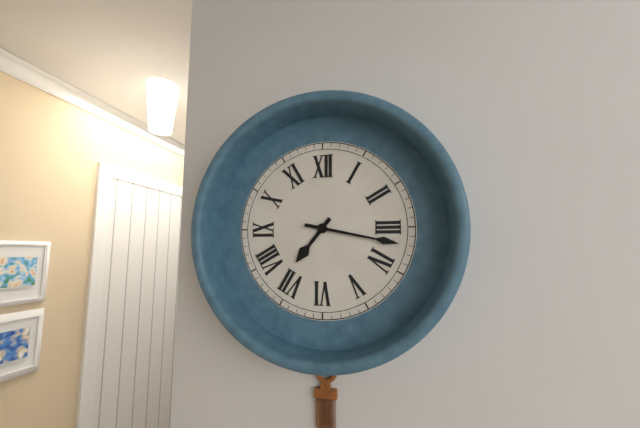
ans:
**7:17**
